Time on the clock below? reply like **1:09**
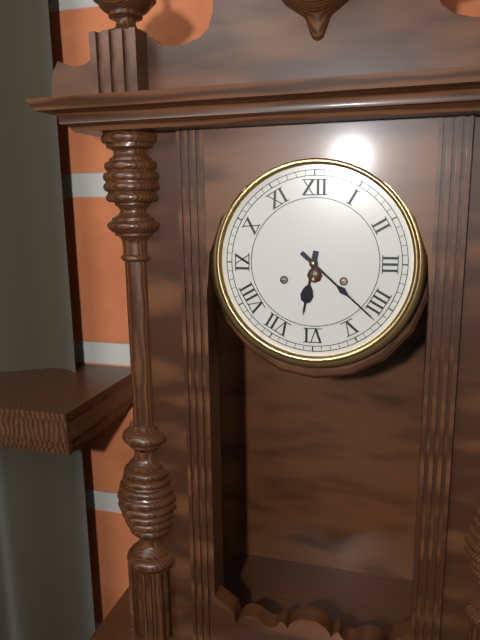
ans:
**6:22**
